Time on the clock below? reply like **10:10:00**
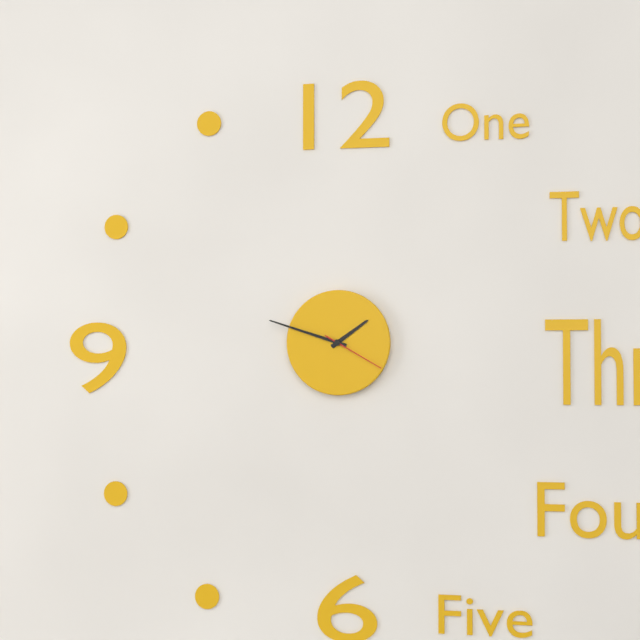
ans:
**1:48:20**
